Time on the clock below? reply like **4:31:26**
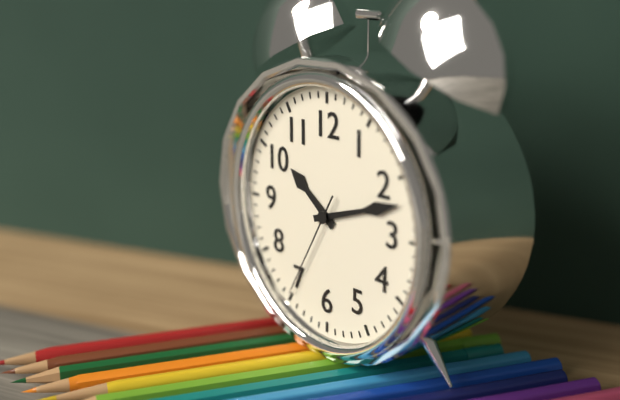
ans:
**10:12:35**
